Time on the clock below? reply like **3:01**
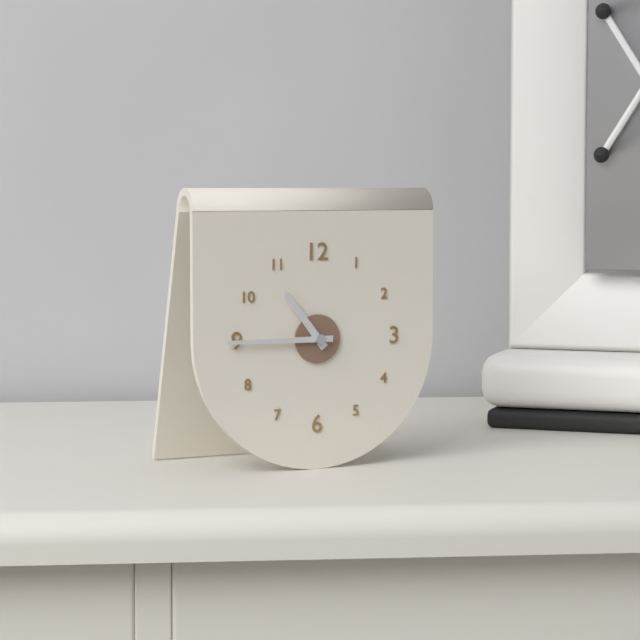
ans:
**10:45**
